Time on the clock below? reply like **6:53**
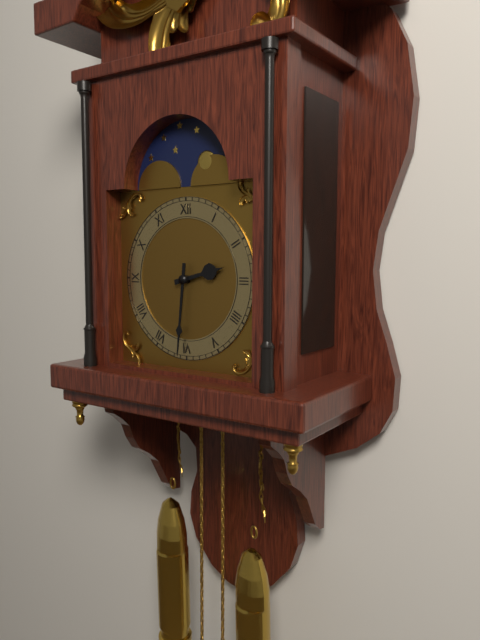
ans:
**2:31**
